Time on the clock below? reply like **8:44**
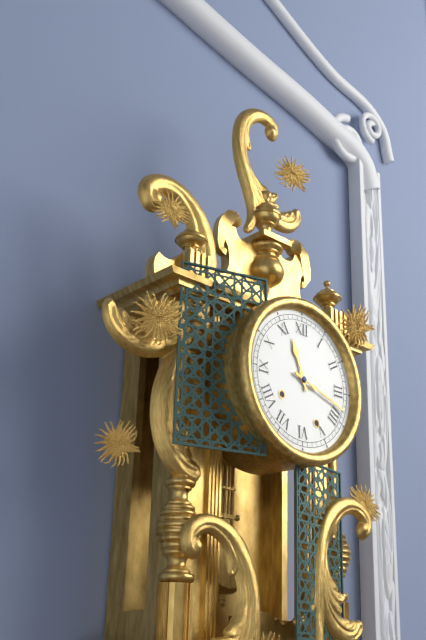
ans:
**11:18**
